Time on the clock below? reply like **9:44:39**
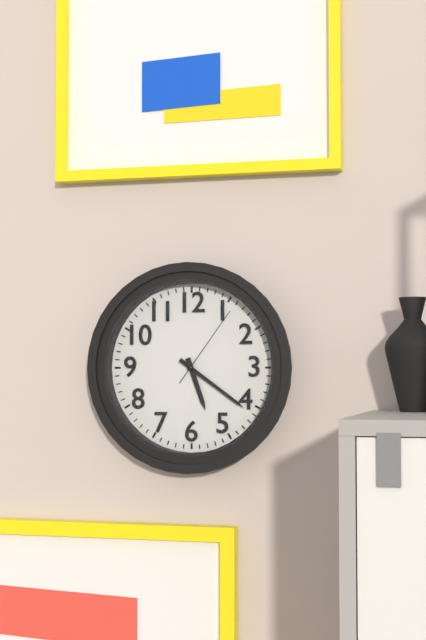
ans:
**5:21:06**
